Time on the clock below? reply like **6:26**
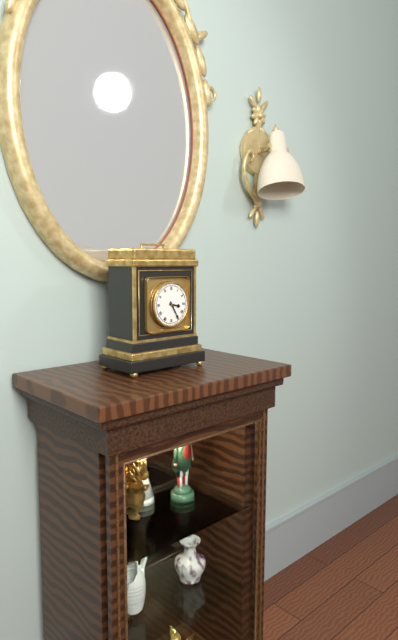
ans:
**3:25**
